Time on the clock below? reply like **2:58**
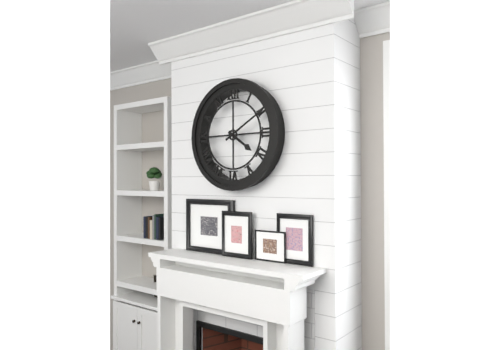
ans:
**4:10**
